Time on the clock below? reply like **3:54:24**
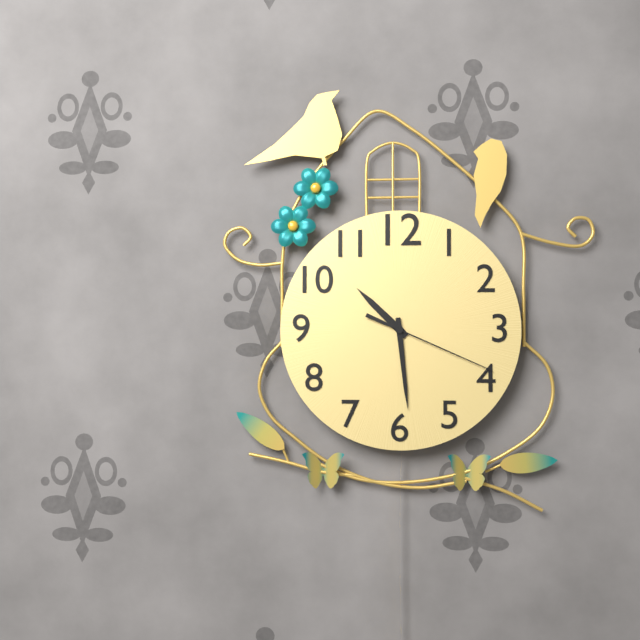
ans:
**10:29:19**
